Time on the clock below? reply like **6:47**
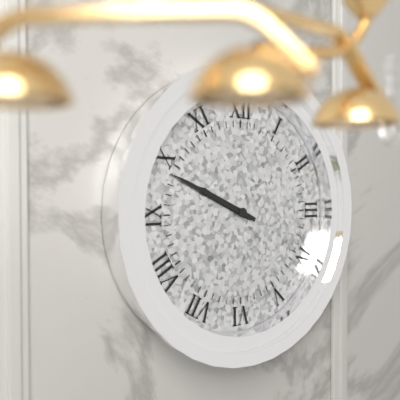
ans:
**9:49**
